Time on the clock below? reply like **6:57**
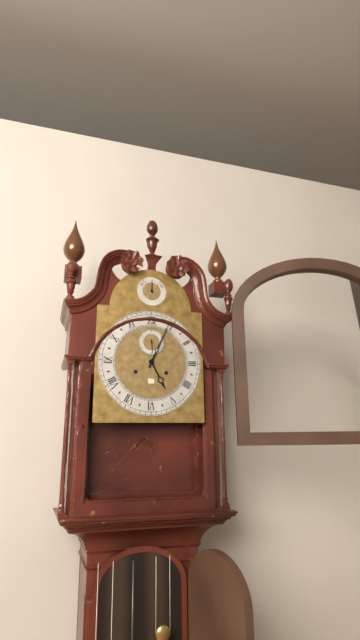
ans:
**5:04**
